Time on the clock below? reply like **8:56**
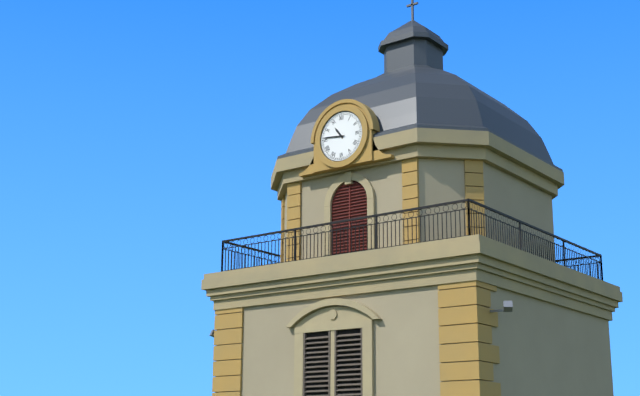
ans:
**10:46**
